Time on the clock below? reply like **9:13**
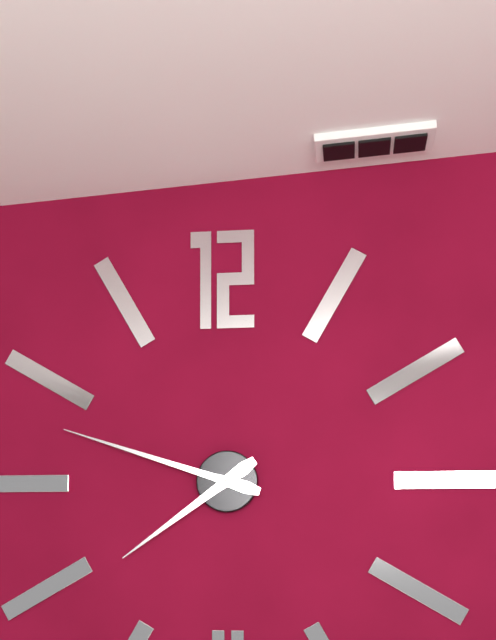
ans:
**7:48**
